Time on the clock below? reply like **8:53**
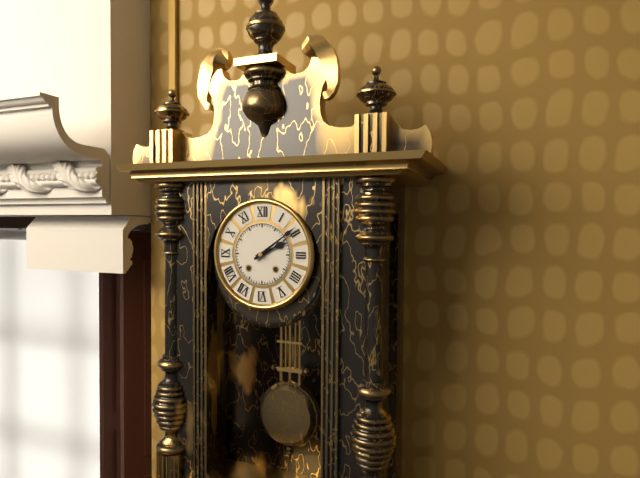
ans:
**2:09**
